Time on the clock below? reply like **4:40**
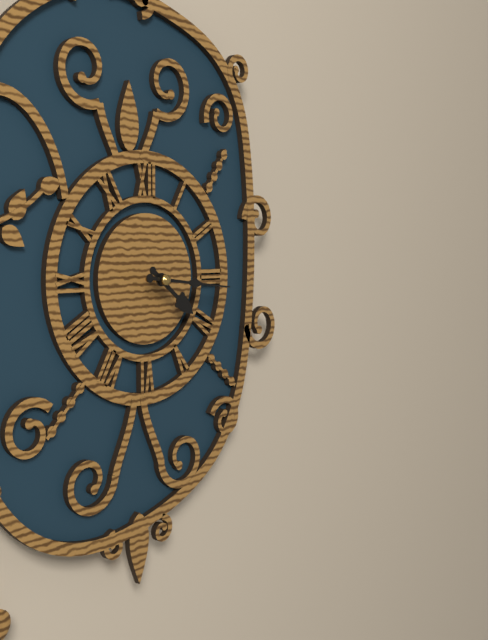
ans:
**4:16**
